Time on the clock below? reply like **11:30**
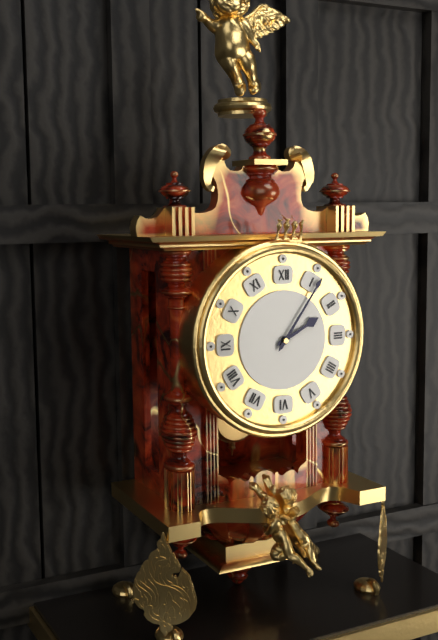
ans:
**2:06**
